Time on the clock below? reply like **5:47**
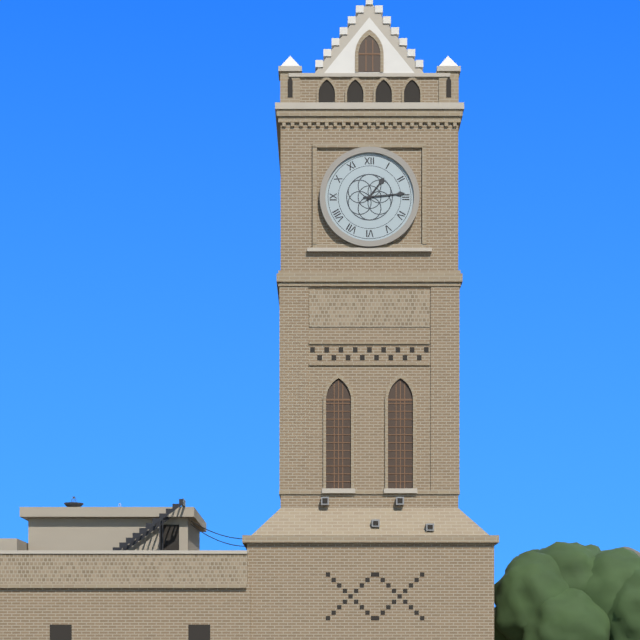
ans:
**1:14**
